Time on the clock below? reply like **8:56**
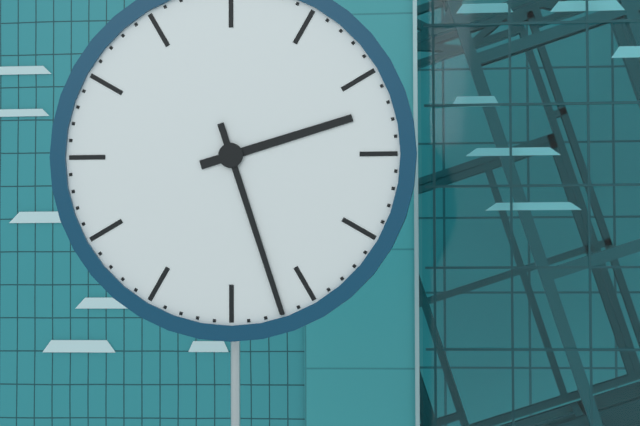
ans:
**2:27**
